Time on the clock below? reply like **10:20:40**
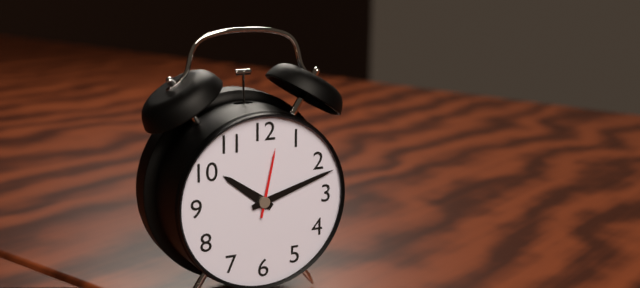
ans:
**10:12:02**
